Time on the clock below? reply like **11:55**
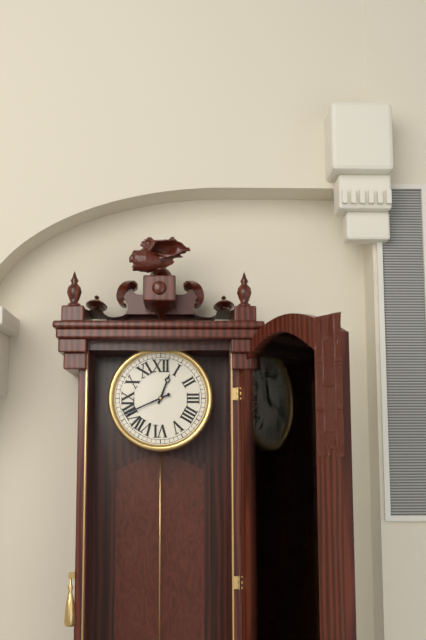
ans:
**12:41**
